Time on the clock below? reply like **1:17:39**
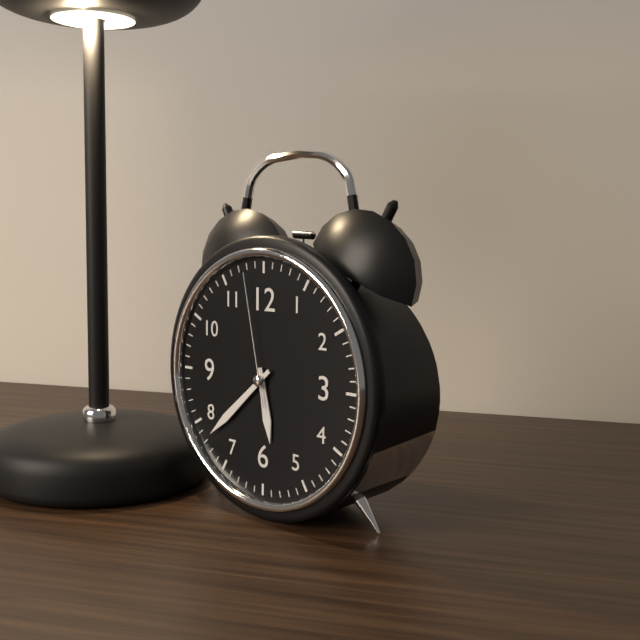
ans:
**5:38:58**
